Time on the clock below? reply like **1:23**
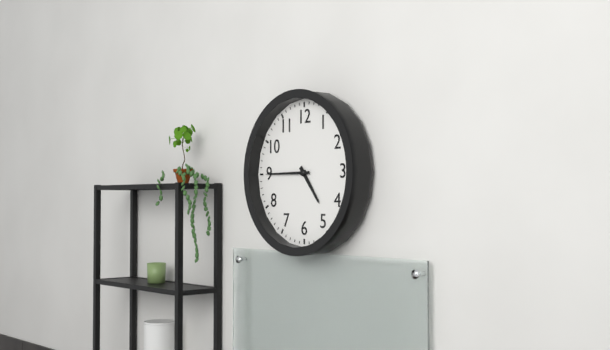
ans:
**4:45**
